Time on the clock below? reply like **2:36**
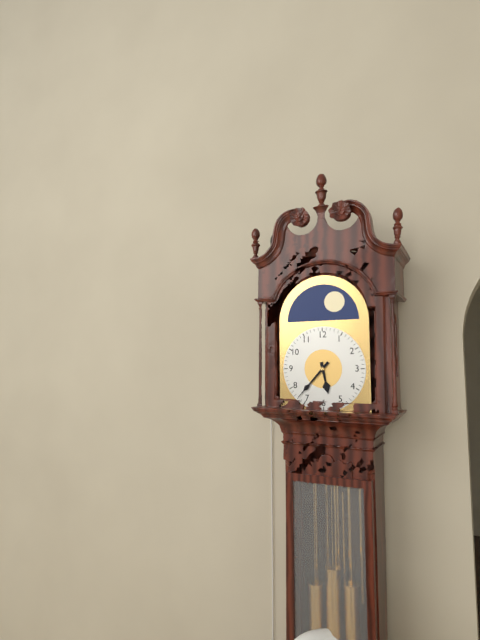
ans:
**5:37**
